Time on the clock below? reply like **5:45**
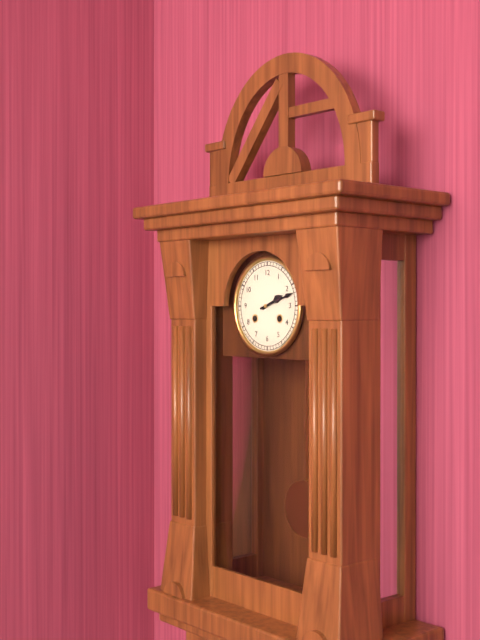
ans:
**2:12**
